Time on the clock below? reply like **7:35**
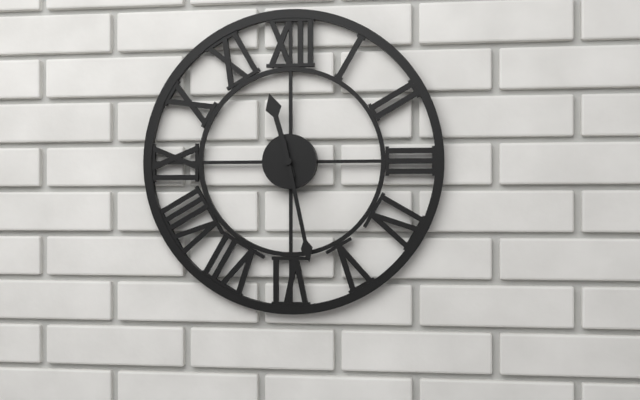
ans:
**11:28**
